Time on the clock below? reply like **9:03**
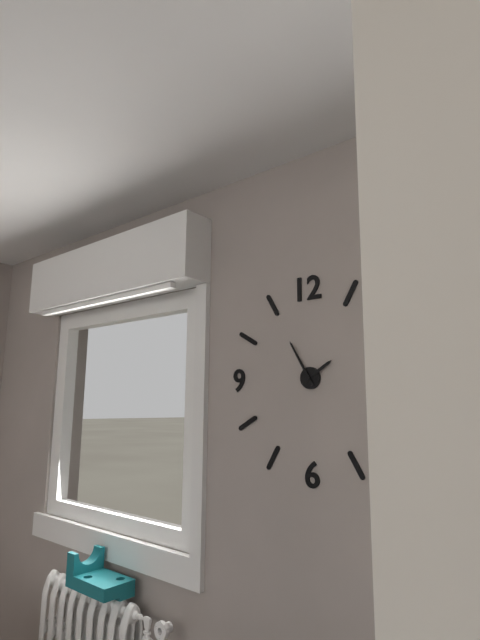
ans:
**1:55**
